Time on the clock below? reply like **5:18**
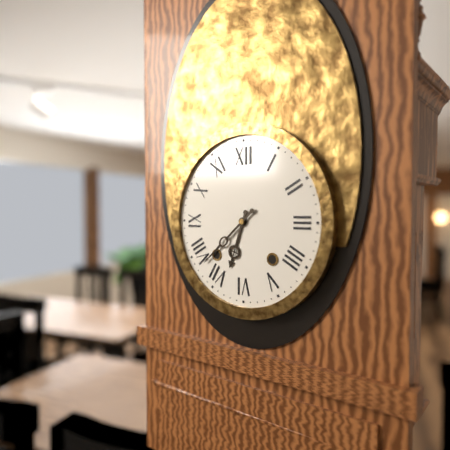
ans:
**6:38**
